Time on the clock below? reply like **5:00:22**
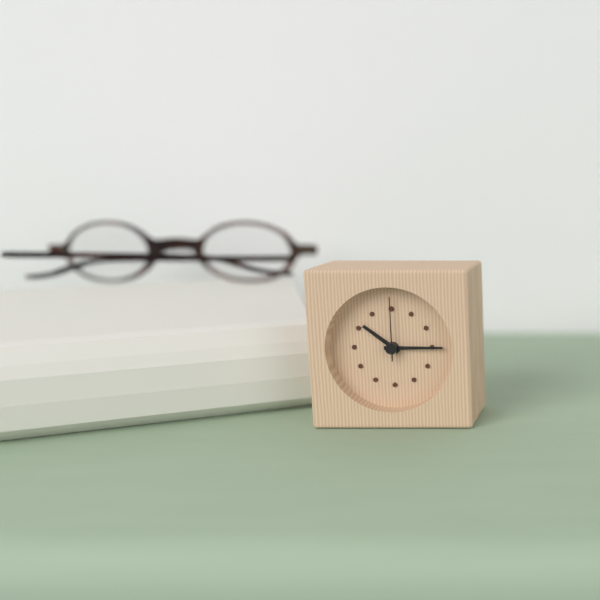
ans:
**10:15:00**
